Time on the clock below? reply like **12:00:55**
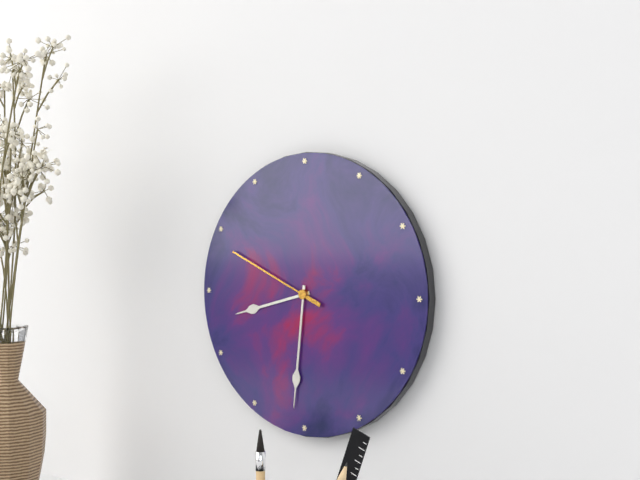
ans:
**8:31:49**
